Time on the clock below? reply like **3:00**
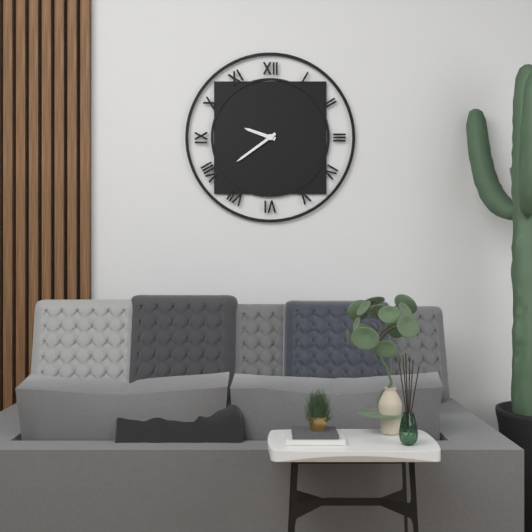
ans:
**9:39**
